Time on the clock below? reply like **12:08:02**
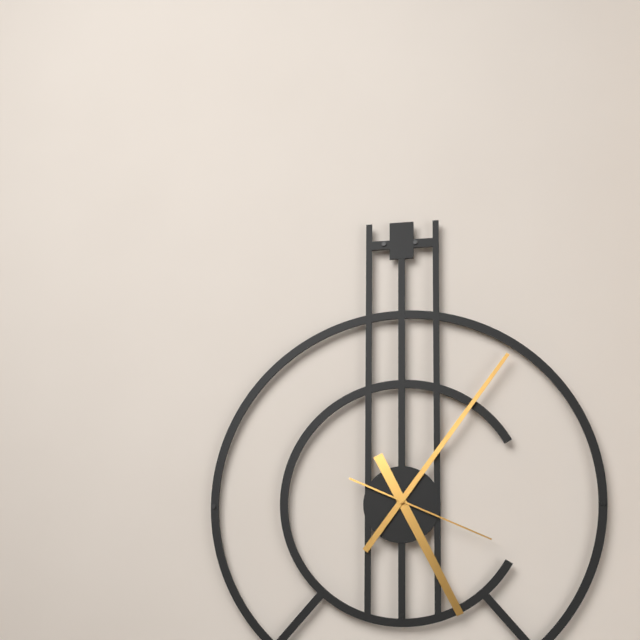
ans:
**5:06:19**
